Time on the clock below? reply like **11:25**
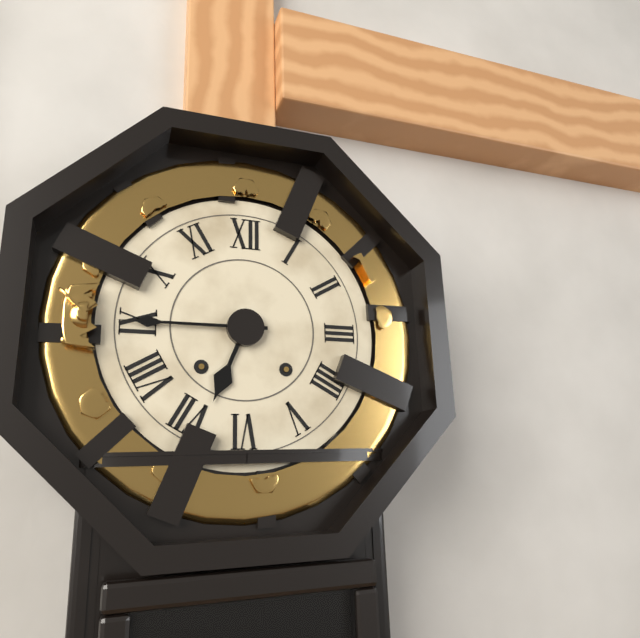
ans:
**6:45**
